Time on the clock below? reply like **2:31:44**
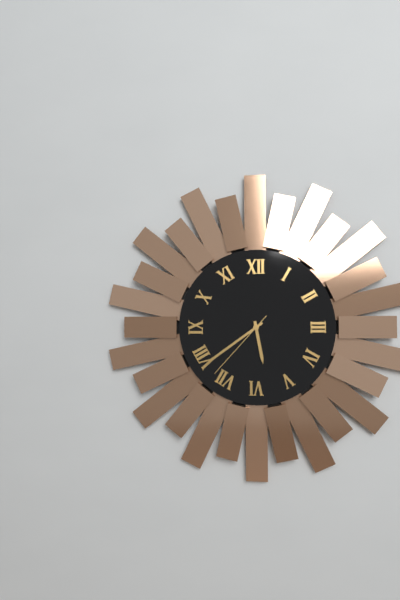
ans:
**5:39:37**
